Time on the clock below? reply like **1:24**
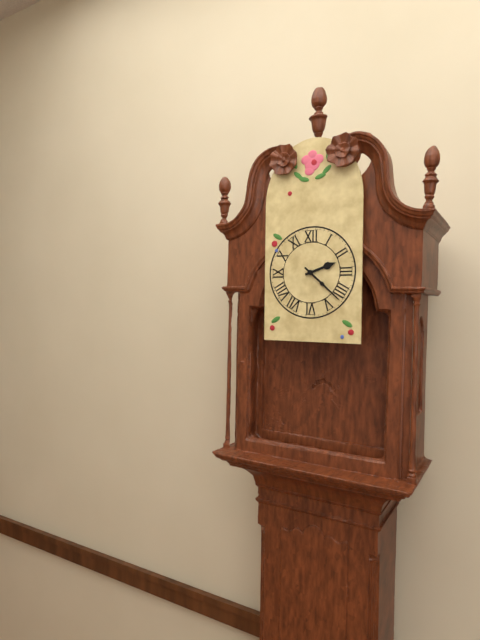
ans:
**2:22**
